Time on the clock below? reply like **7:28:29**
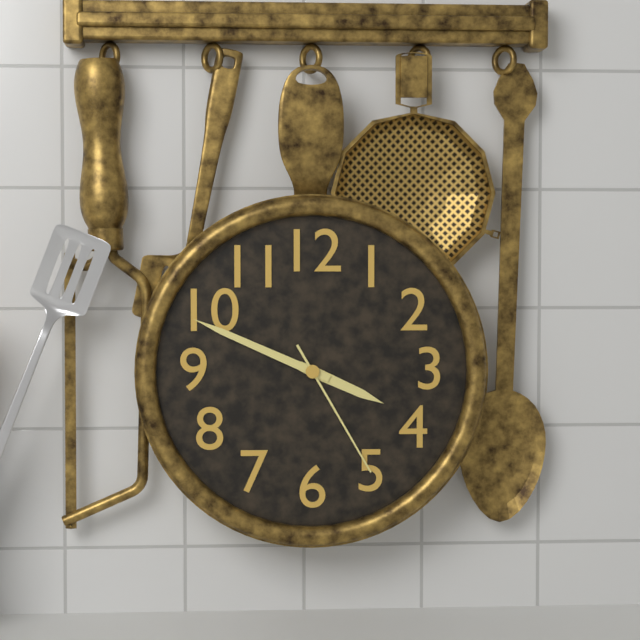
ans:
**3:49:25**
